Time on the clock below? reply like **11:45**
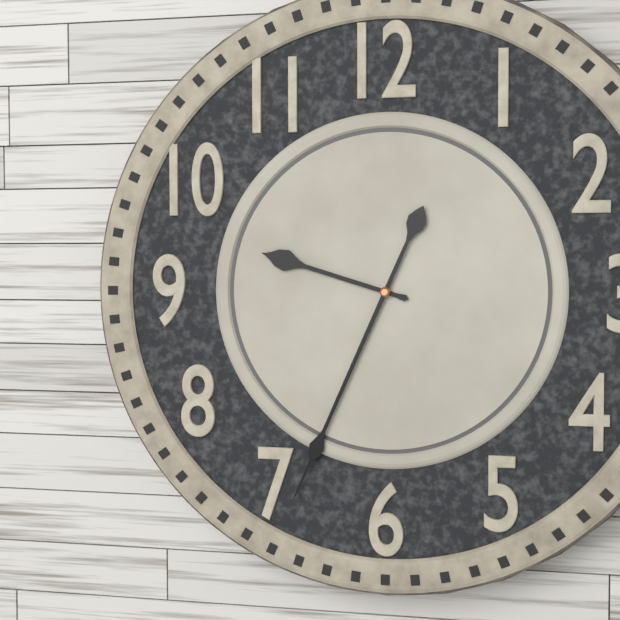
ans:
**9:34**
